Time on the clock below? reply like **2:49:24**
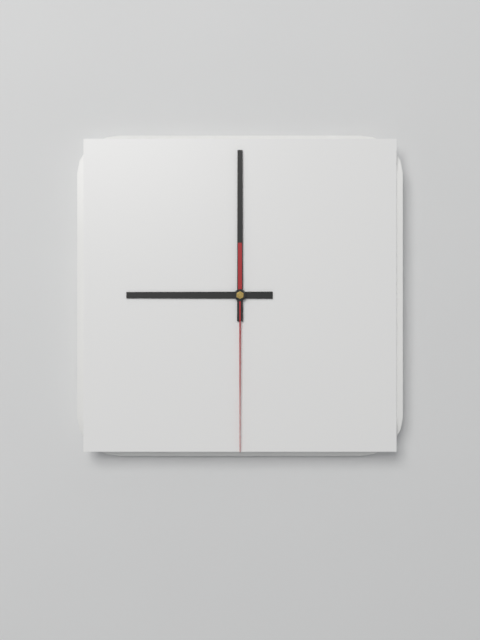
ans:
**9:00:30**
